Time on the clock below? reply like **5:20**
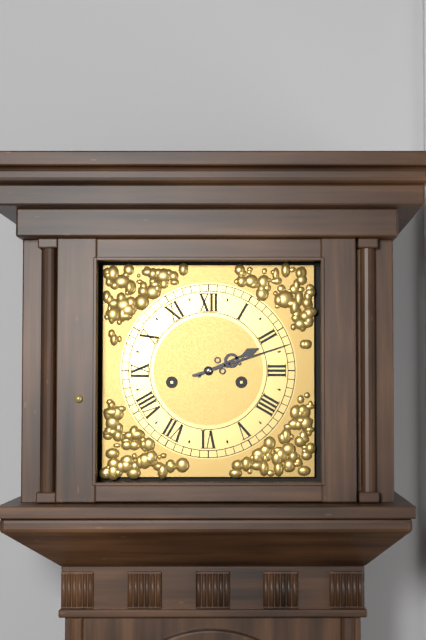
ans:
**2:12**
